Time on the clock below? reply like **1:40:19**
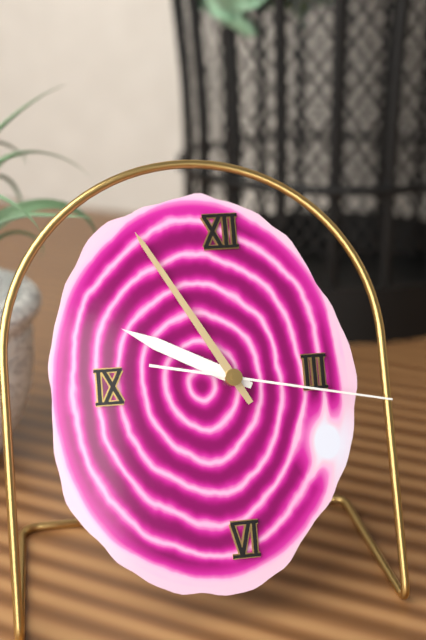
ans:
**9:55:17**
